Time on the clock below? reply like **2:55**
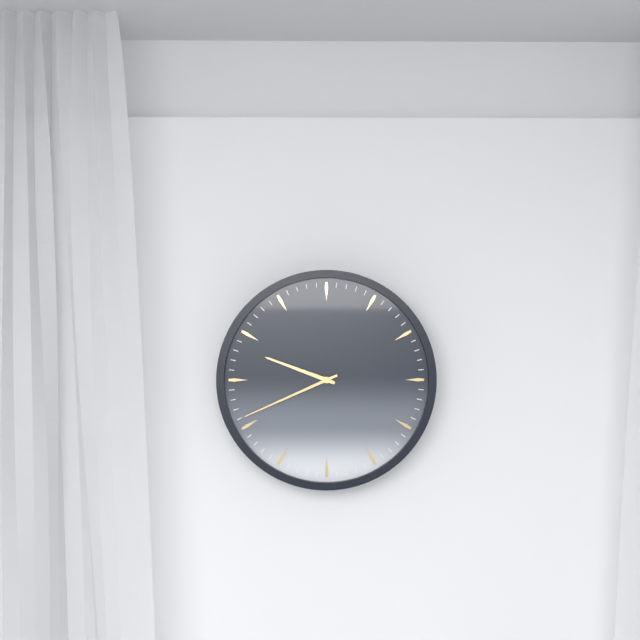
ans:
**9:41**
